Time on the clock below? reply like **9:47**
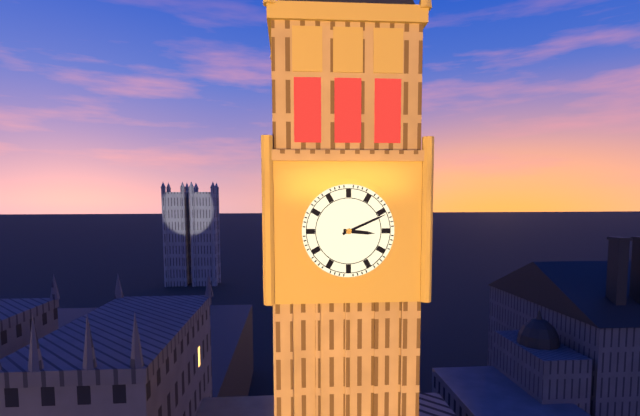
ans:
**3:11**
